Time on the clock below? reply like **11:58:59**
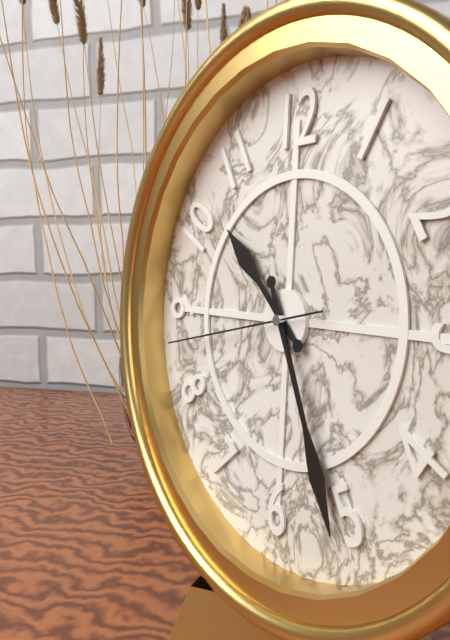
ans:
**10:26:43**
